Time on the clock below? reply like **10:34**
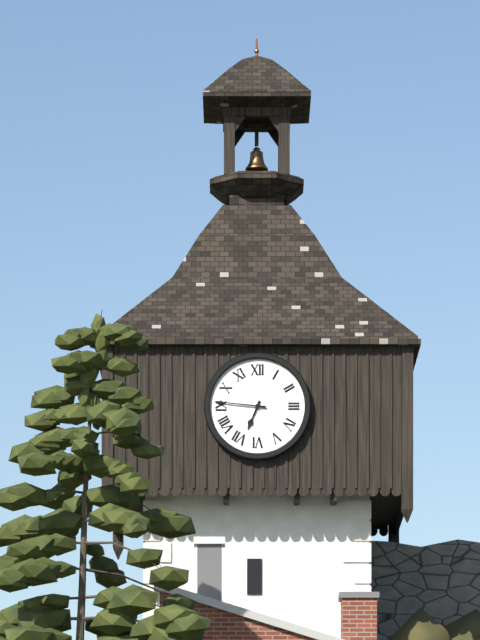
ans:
**6:46**
